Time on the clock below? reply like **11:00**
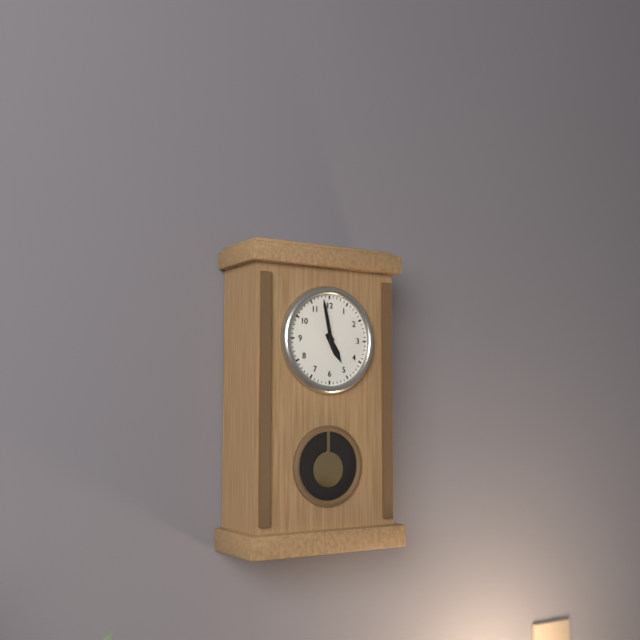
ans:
**4:58**
